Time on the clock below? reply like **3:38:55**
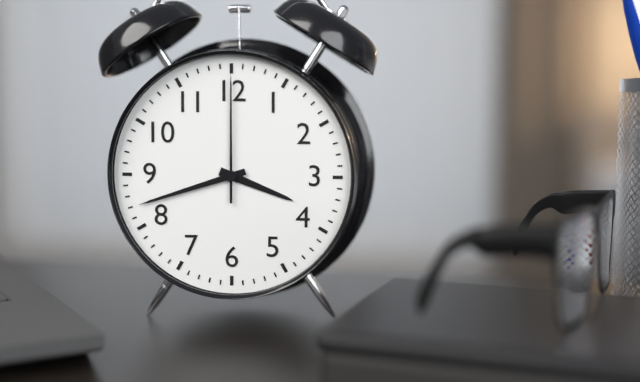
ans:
**3:42:00**
